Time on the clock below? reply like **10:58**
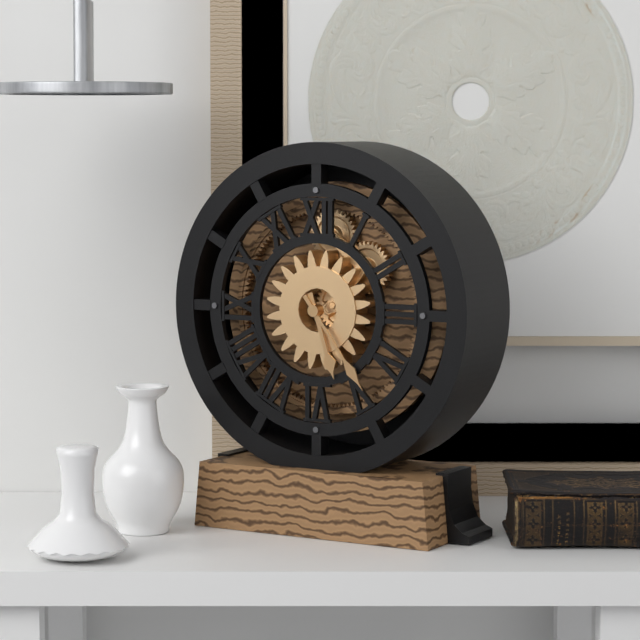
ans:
**5:24**
